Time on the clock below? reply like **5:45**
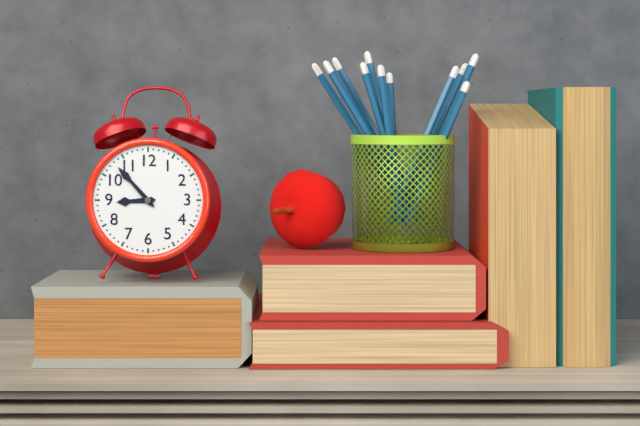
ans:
**8:53**
